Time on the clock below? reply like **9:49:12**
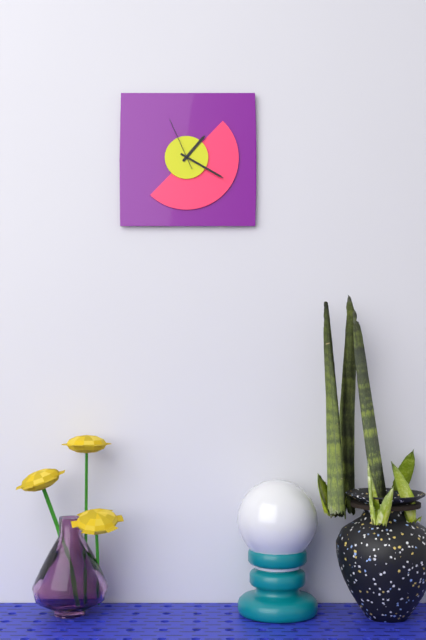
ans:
**1:20:56**
